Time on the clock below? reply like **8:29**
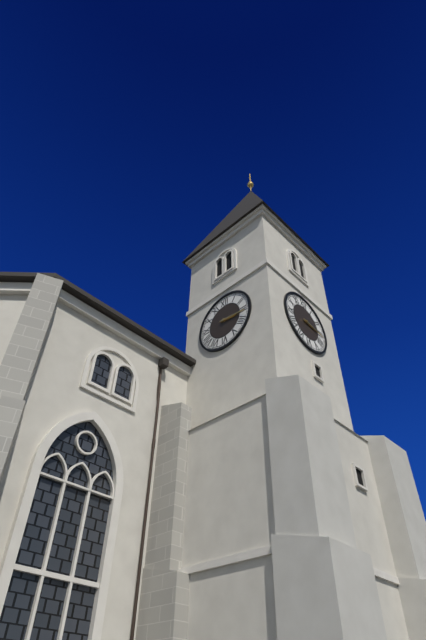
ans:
**3:16**
